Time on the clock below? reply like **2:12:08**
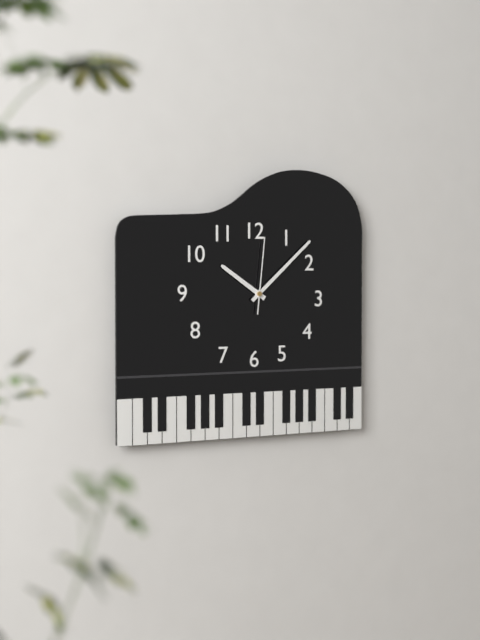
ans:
**10:08:01**
